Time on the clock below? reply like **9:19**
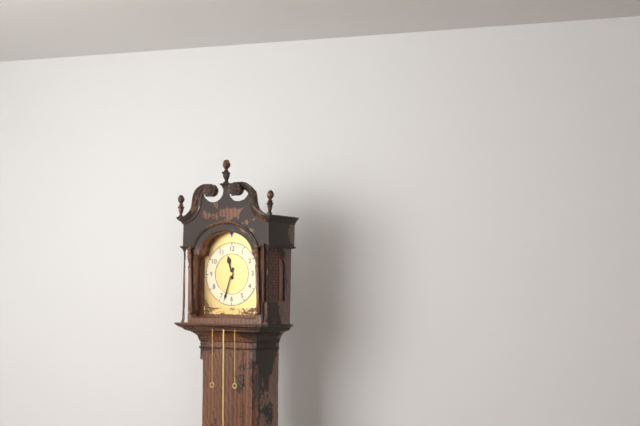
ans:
**11:33**
